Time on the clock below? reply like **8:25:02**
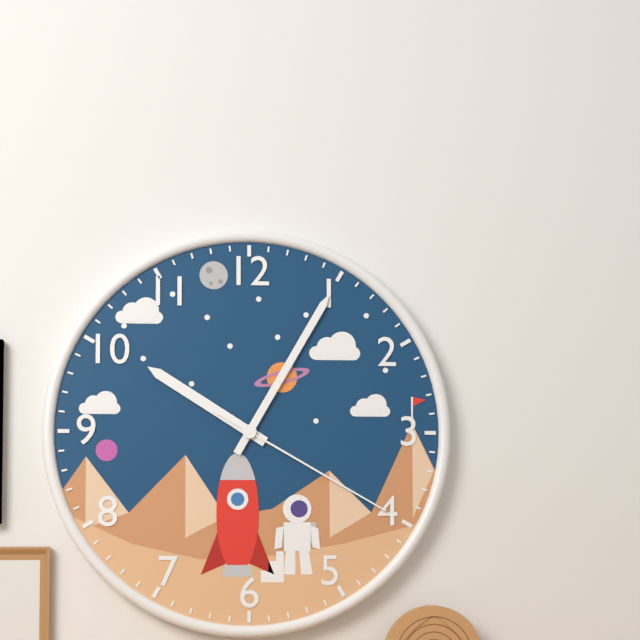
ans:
**10:05:20**
